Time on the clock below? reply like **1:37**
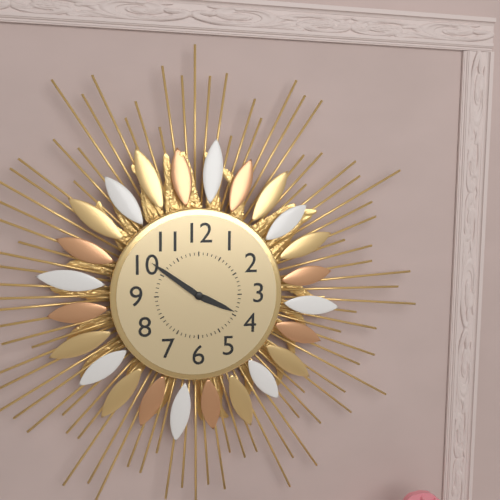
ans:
**3:51**
